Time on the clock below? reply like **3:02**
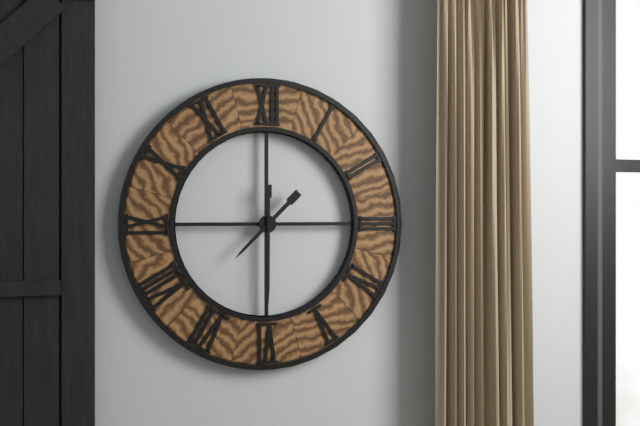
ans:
**7:30**
